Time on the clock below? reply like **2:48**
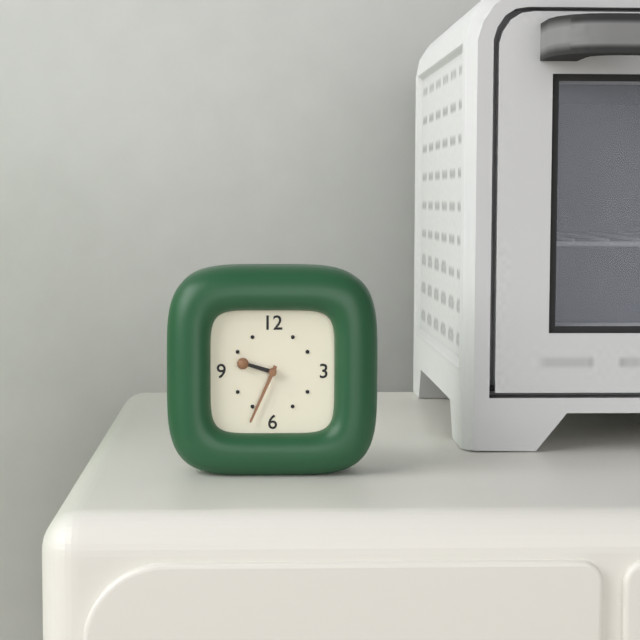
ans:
**9:34**
